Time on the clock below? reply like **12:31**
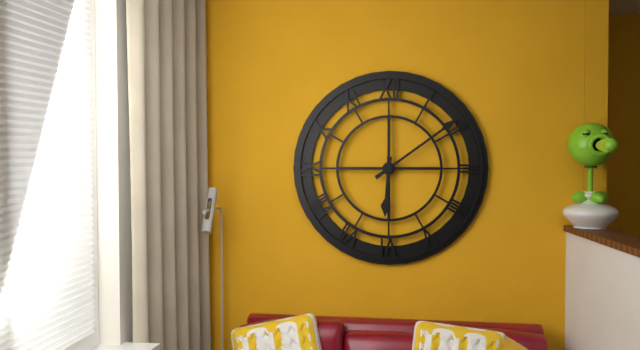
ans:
**6:09**
